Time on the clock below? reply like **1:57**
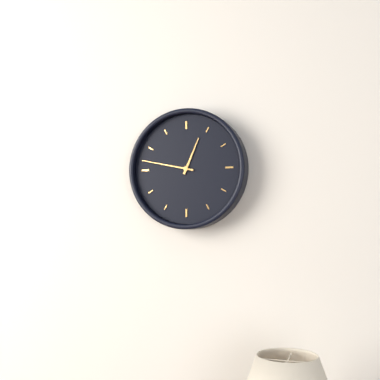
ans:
**12:47**
